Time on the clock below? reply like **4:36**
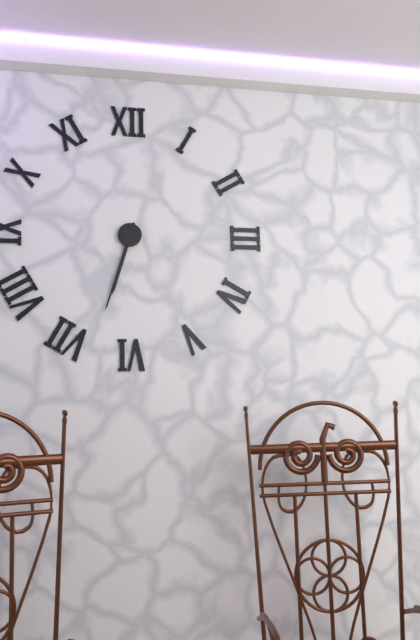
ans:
**6:33**
